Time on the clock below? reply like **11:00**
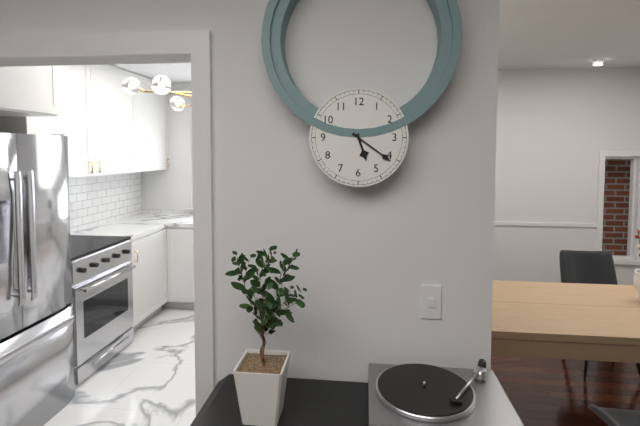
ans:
**5:21**
